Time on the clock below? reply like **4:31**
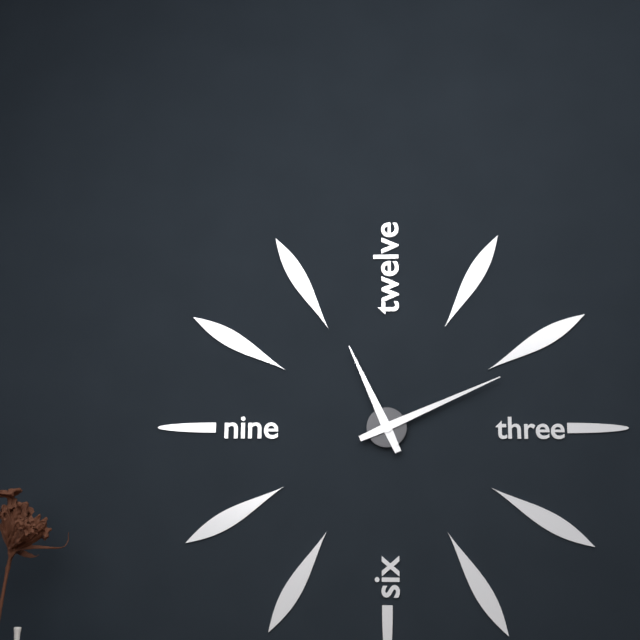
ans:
**11:11**
